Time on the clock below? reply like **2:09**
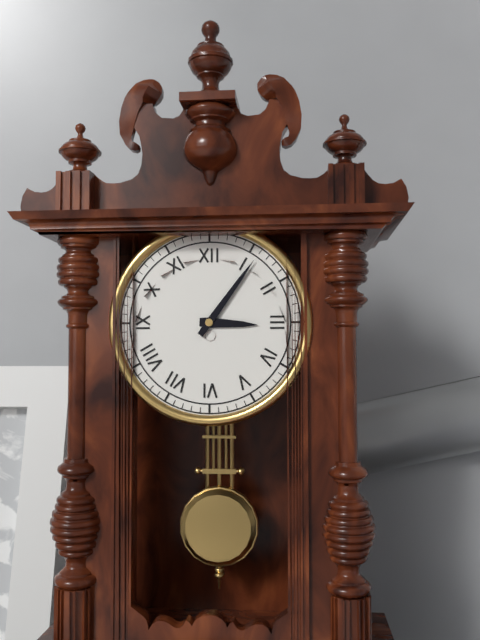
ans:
**3:06**
